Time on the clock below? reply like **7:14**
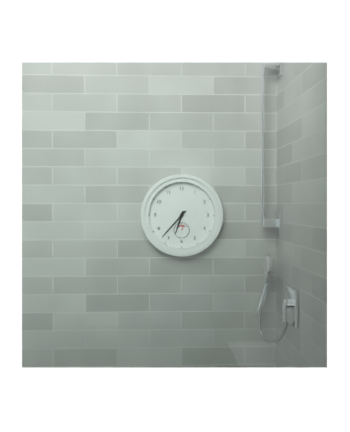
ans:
**6:37**
